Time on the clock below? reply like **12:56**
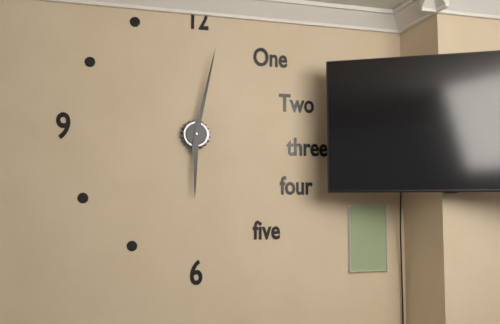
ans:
**6:02**
